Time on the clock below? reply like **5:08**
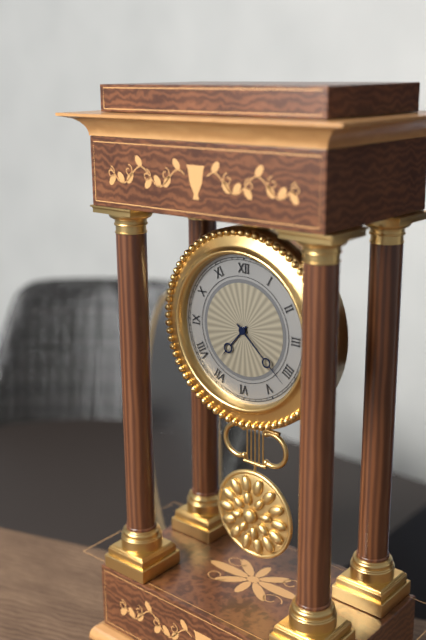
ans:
**7:22**
